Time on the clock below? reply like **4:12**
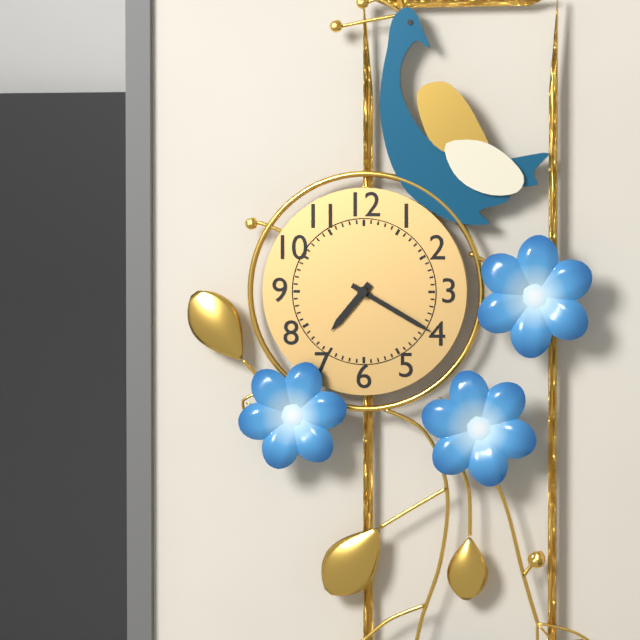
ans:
**7:20**
